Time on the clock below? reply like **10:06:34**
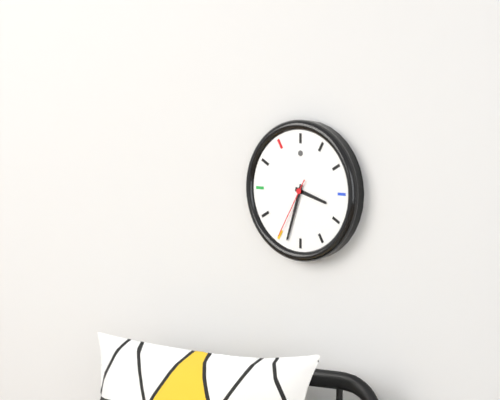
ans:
**3:33:35**
